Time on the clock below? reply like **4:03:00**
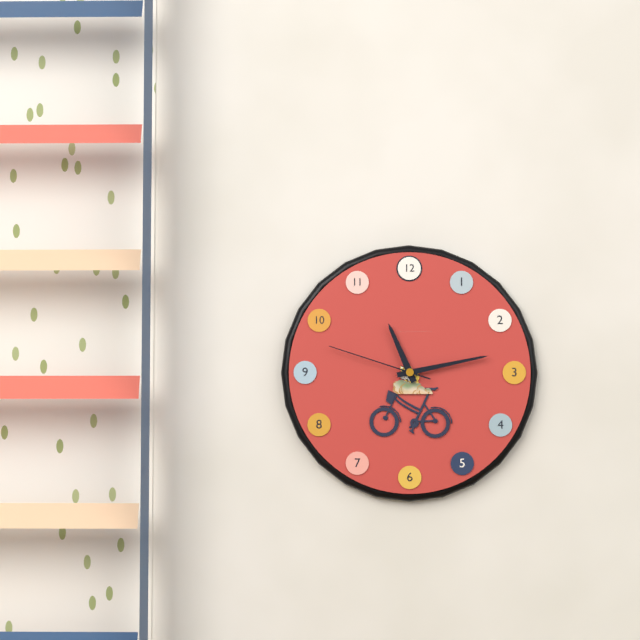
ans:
**11:13:48**
